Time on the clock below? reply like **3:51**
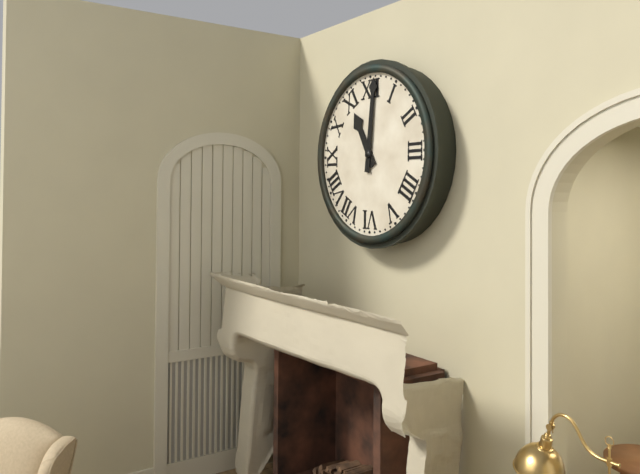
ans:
**11:01**
